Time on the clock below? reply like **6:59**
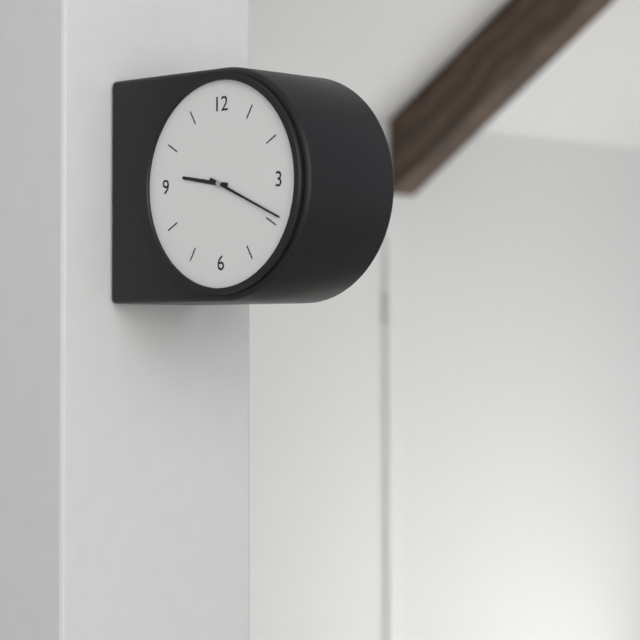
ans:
**9:19**
